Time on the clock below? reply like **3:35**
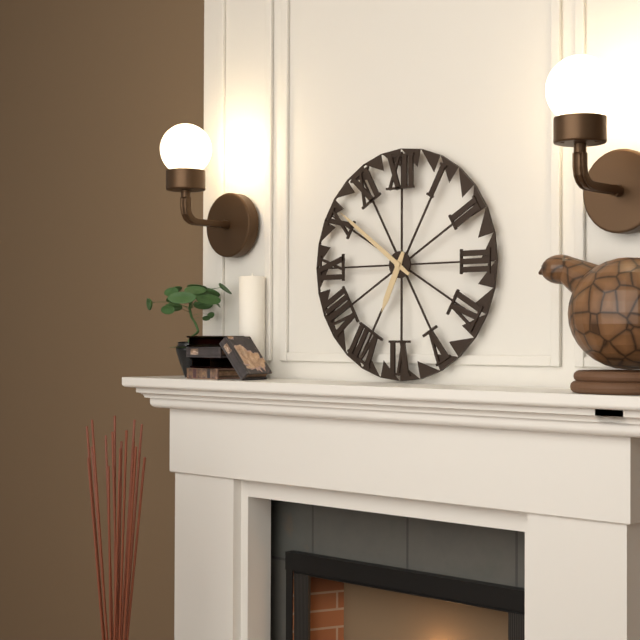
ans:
**6:51**
